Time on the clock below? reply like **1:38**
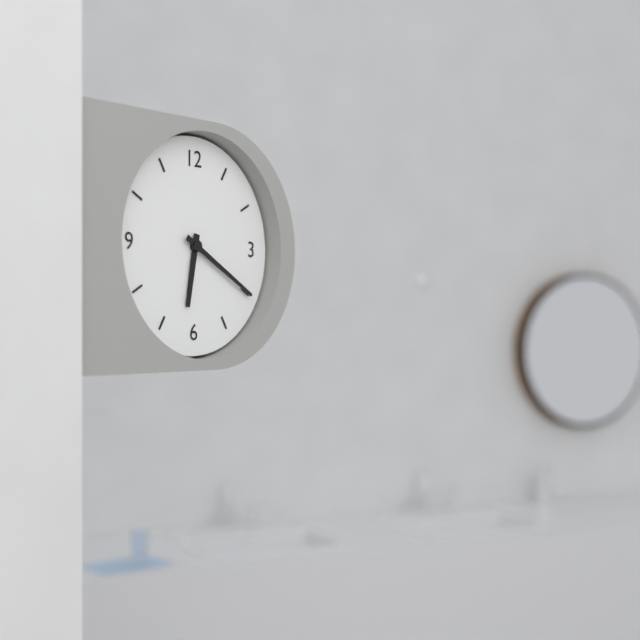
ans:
**6:20**
